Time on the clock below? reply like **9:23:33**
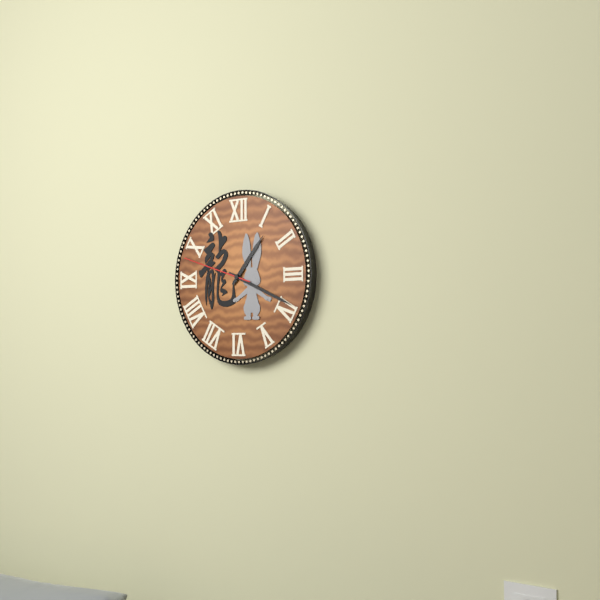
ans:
**1:19:48**
